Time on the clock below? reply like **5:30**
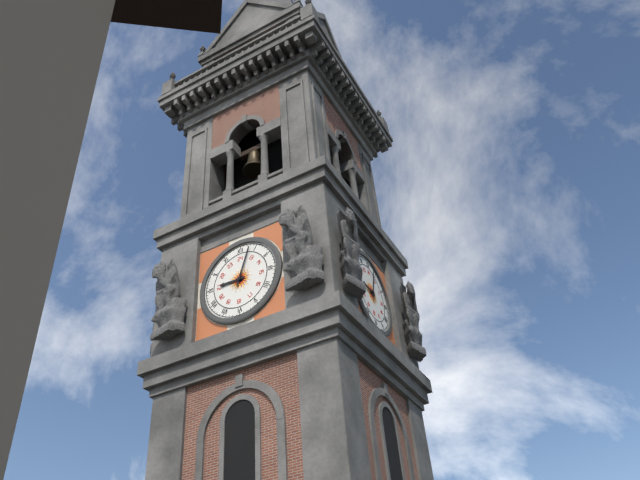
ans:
**9:03**
